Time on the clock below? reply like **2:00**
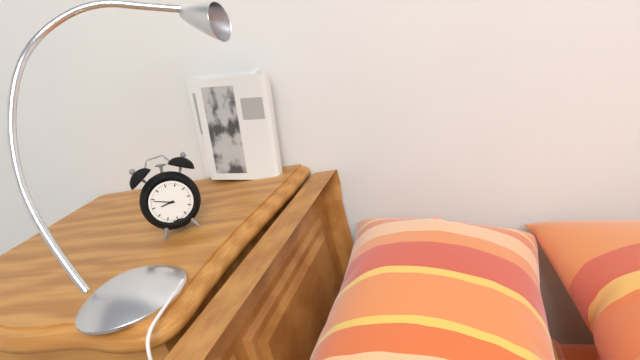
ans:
**8:49**
